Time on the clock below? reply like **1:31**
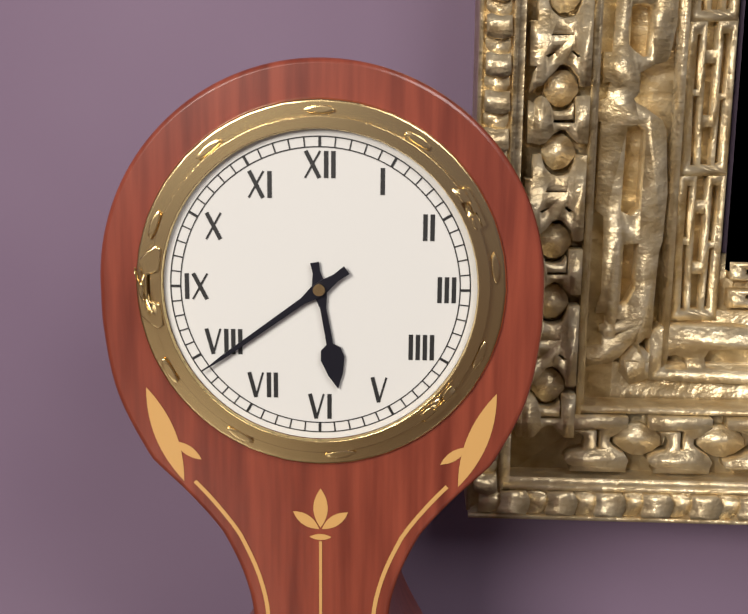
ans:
**5:39**
